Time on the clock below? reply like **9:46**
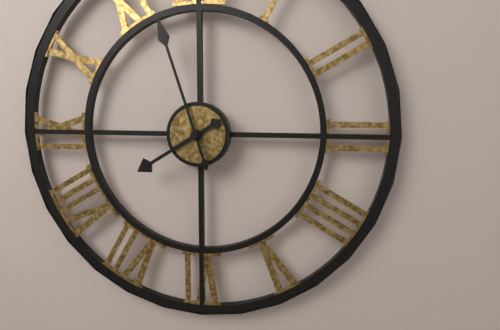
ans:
**7:57**
